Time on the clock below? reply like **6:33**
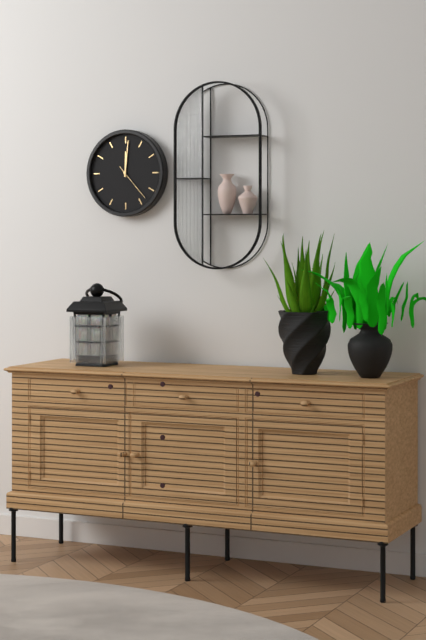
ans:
**12:01**
